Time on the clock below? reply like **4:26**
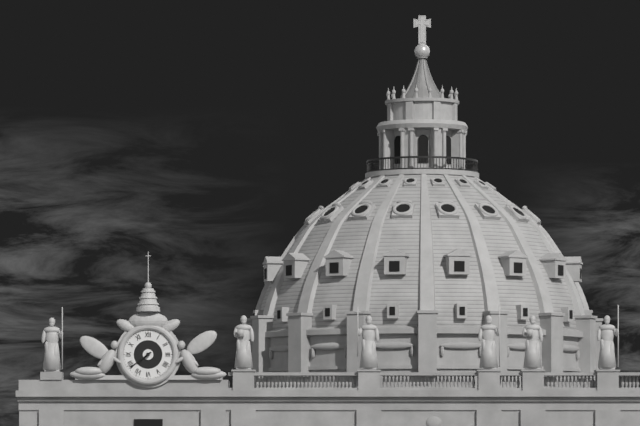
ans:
**7:39**
